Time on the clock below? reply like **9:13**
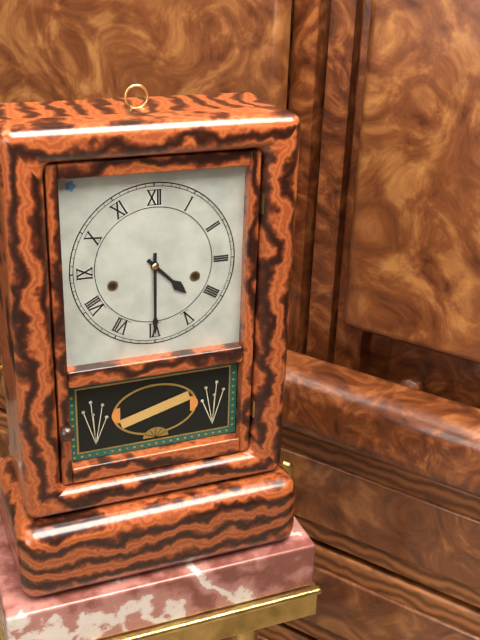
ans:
**4:30**
